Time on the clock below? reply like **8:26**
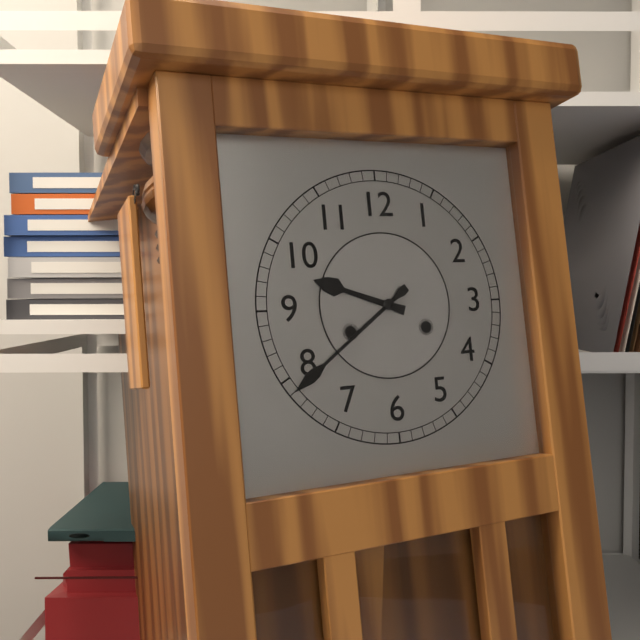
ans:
**9:39**
